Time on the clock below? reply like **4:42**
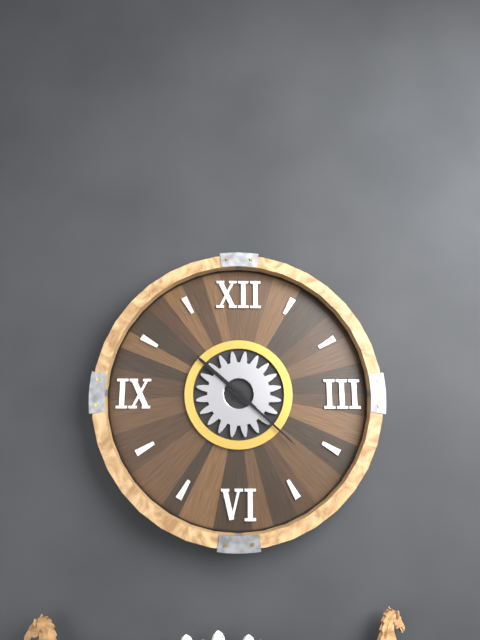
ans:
**10:22**
